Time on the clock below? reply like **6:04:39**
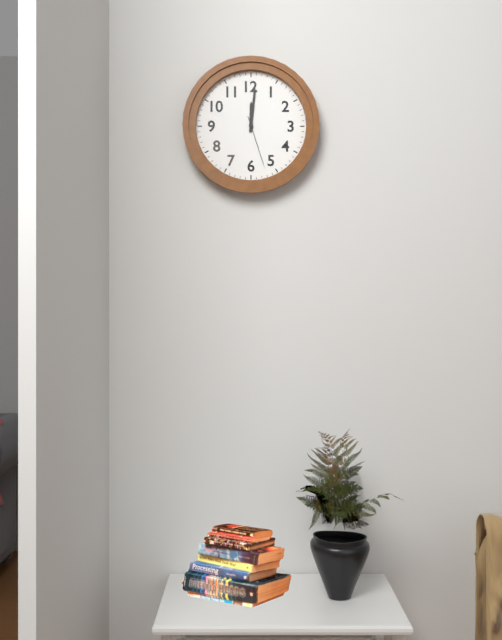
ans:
**12:01:27**
